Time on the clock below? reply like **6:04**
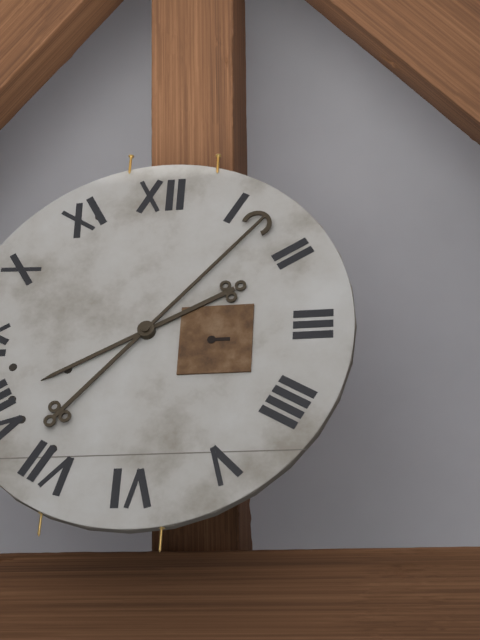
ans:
**8:07**
